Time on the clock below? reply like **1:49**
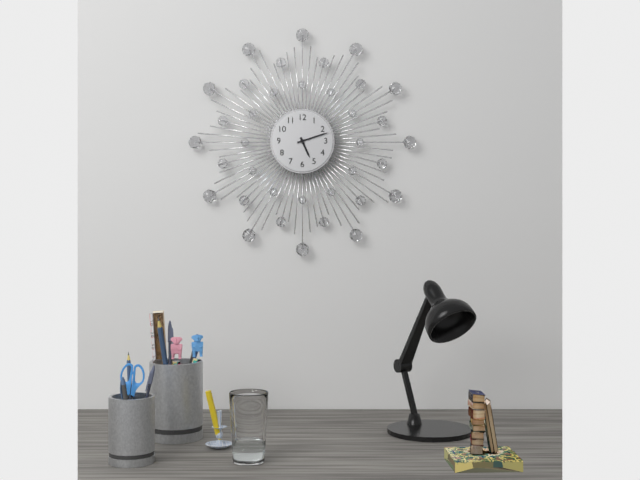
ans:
**5:12**
